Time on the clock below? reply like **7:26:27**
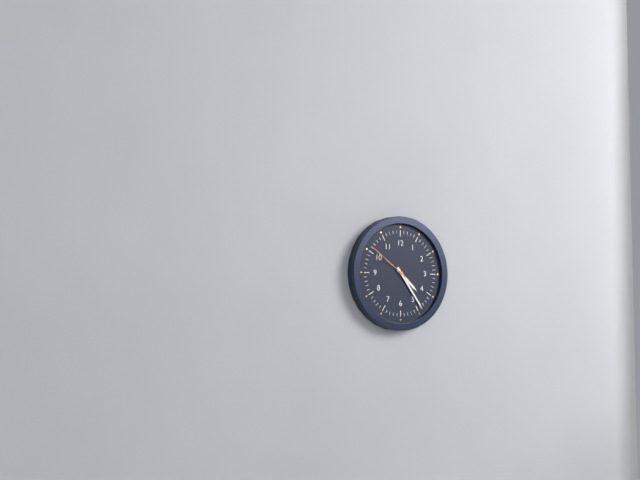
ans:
**4:24:51**
